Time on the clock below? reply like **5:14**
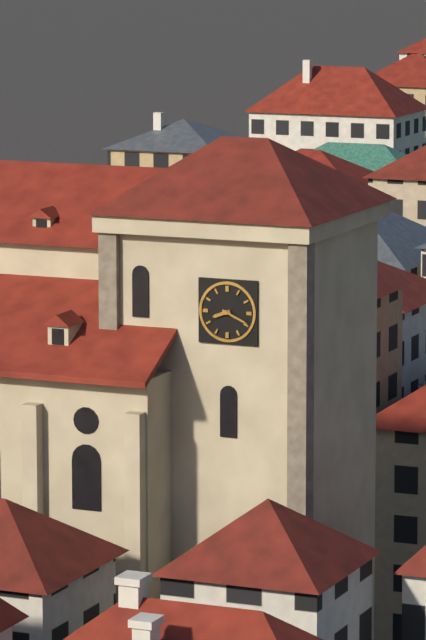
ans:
**8:19**
